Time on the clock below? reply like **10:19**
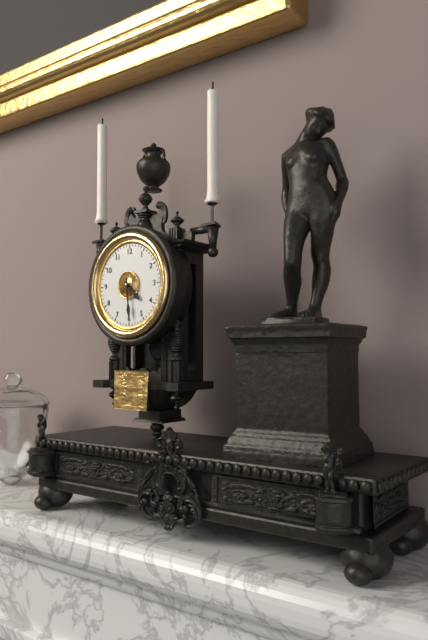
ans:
**4:29**
